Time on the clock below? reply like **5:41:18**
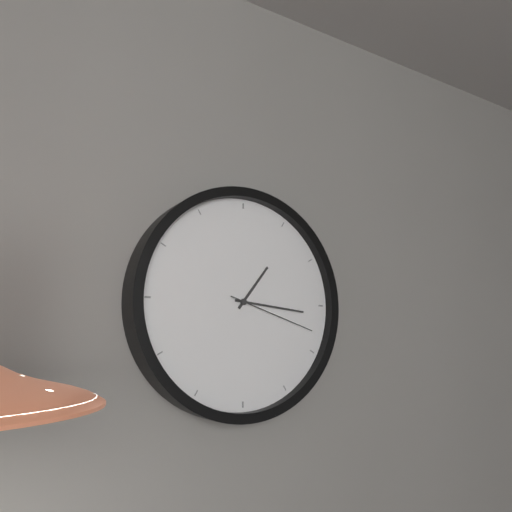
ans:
**1:16:18**
